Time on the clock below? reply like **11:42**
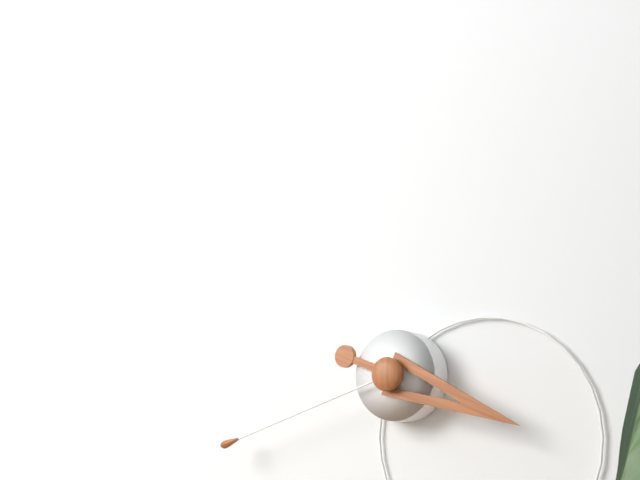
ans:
**3:42**
